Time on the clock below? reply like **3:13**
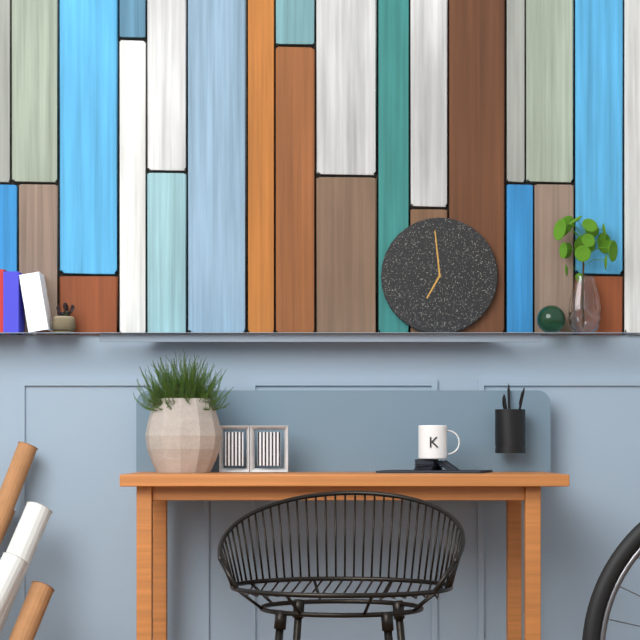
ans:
**6:59**
